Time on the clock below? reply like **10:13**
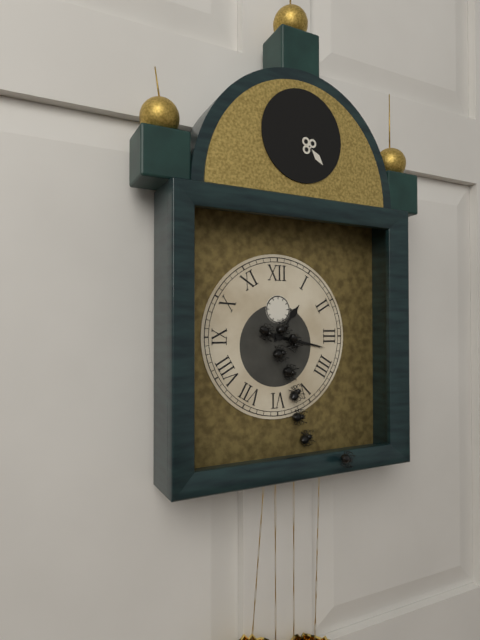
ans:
**1:17**
